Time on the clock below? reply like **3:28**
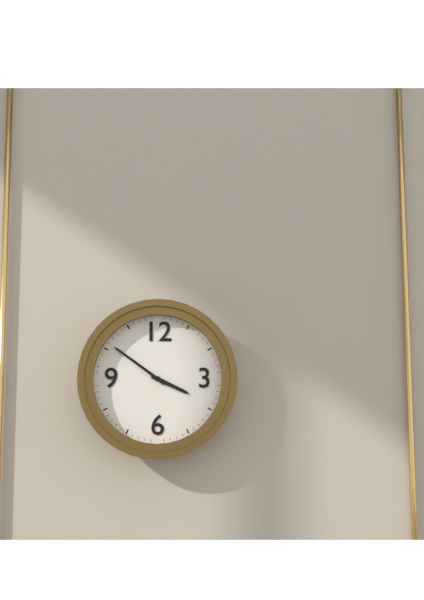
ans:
**3:51**
